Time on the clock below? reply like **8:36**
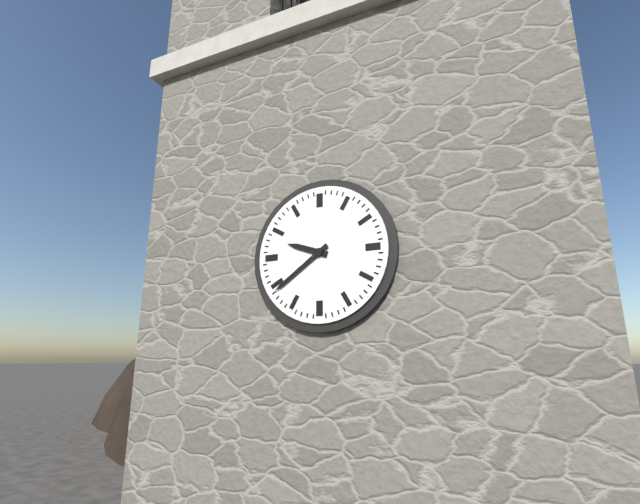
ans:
**9:39**
